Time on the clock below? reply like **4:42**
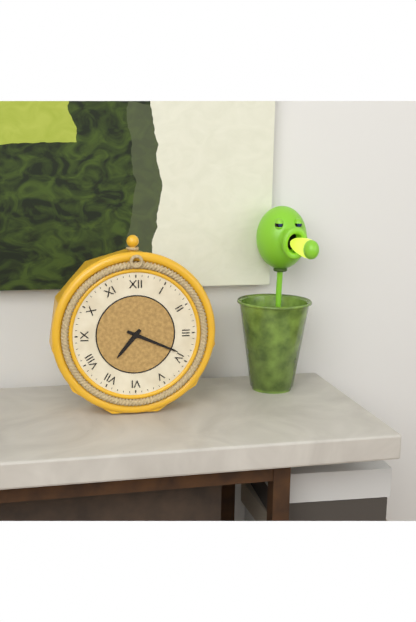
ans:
**7:19**
